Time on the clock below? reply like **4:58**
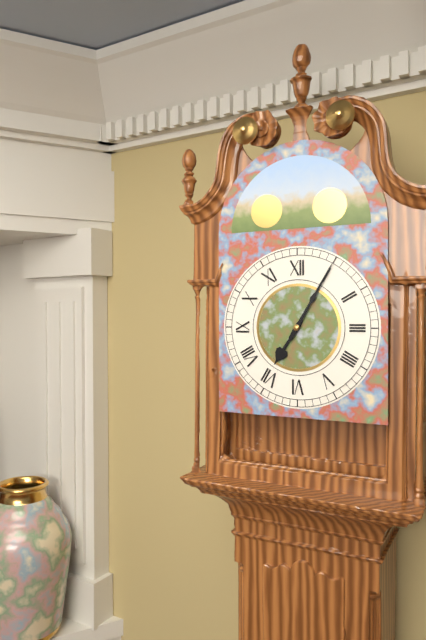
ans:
**7:05**
